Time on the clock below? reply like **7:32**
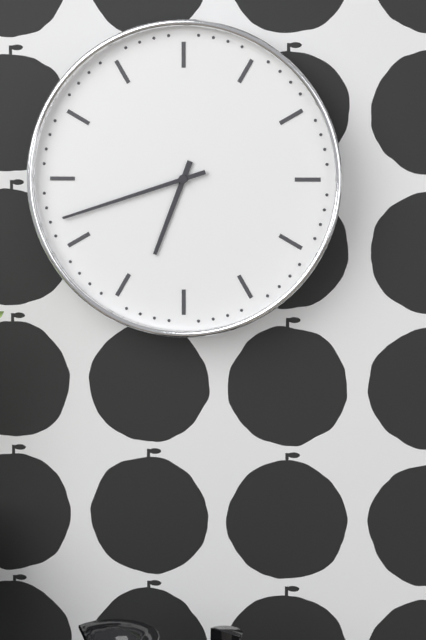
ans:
**6:42**
